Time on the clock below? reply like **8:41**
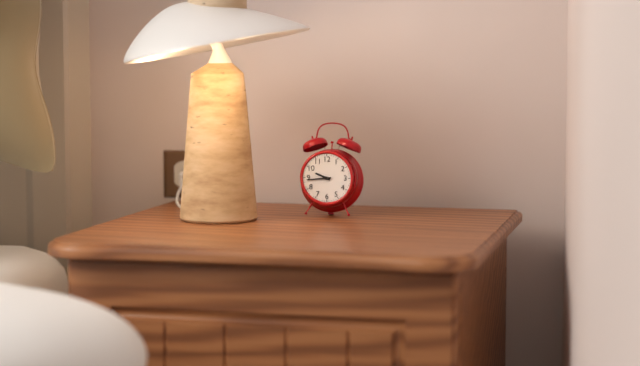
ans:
**9:44**
